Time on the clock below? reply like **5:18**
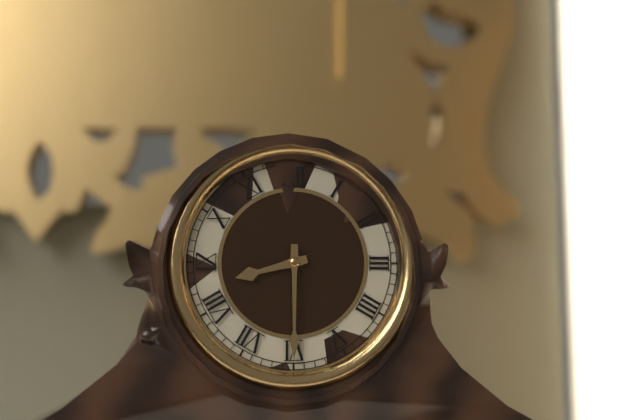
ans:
**8:30**
